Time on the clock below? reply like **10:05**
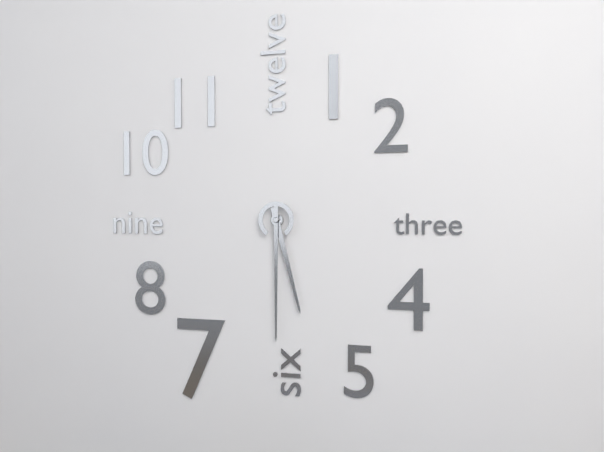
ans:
**5:30**
